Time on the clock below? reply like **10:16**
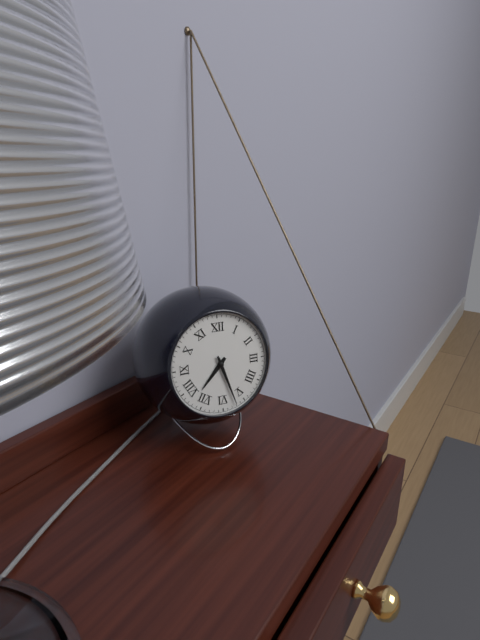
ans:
**7:27**
